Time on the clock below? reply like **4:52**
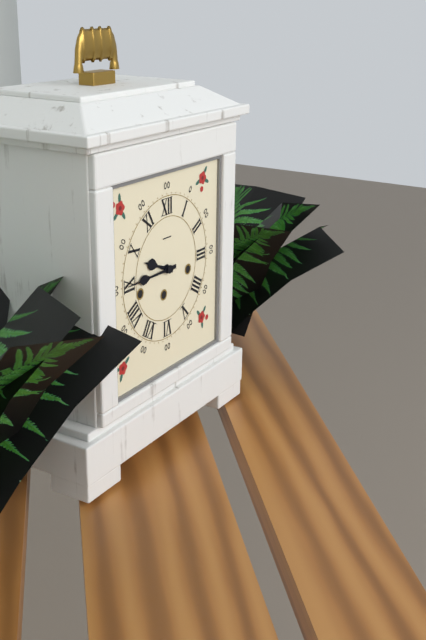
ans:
**9:45**
